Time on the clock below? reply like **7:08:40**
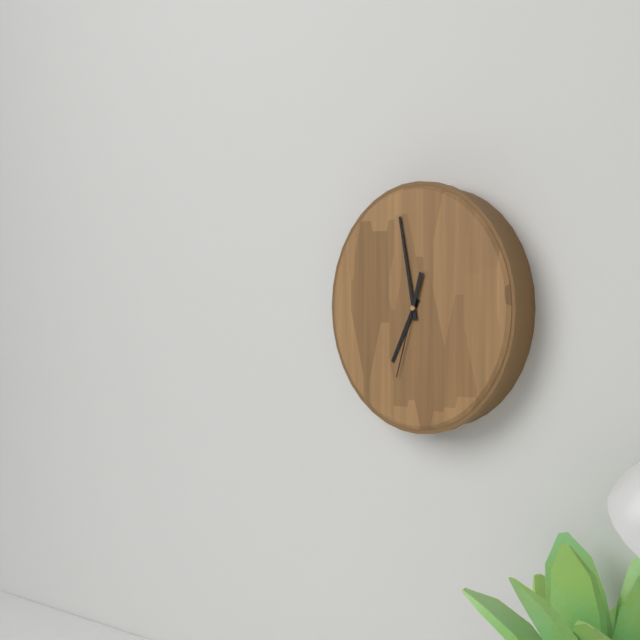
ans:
**6:58:33**
